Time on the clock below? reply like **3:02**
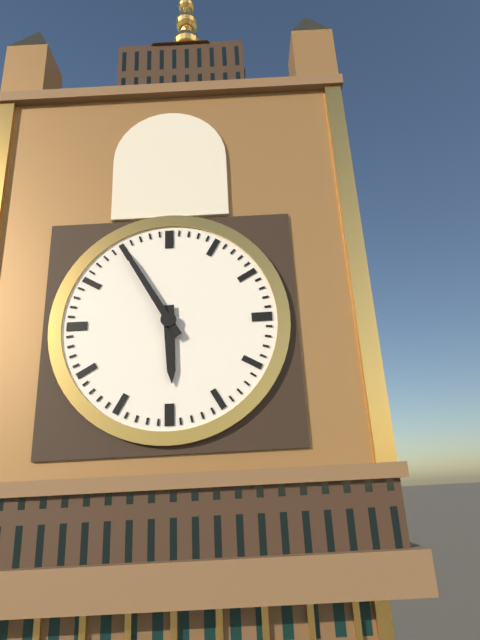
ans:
**5:55**
